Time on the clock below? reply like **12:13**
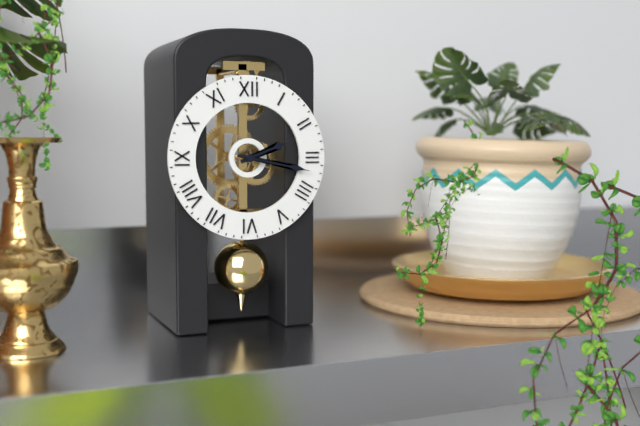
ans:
**2:17**
